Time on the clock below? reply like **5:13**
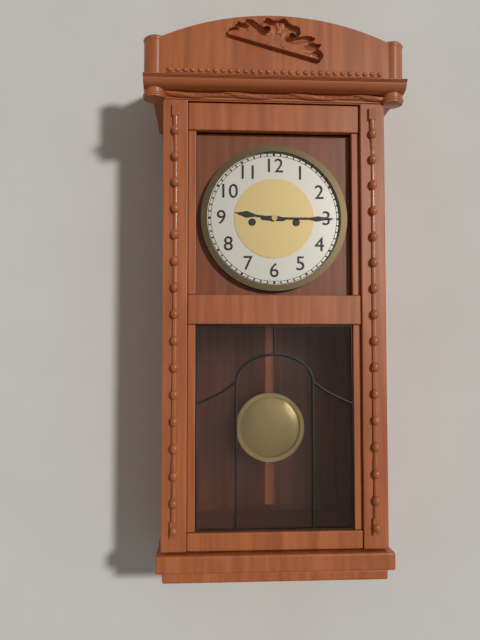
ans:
**9:15**
